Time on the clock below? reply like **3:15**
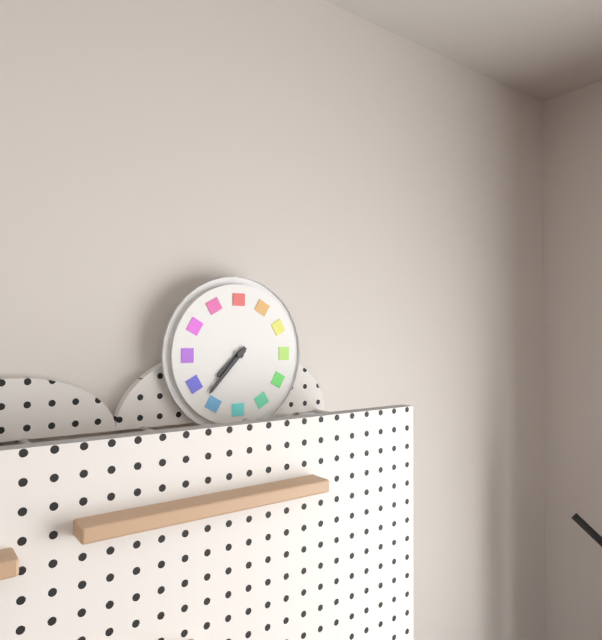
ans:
**7:37**
